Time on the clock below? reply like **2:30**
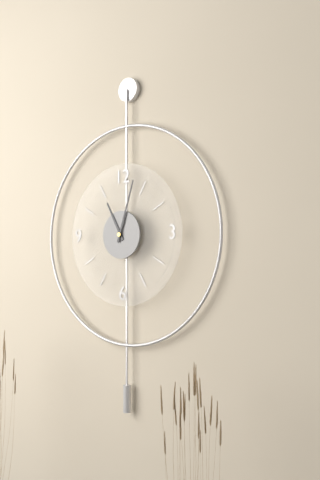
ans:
**11:03**
